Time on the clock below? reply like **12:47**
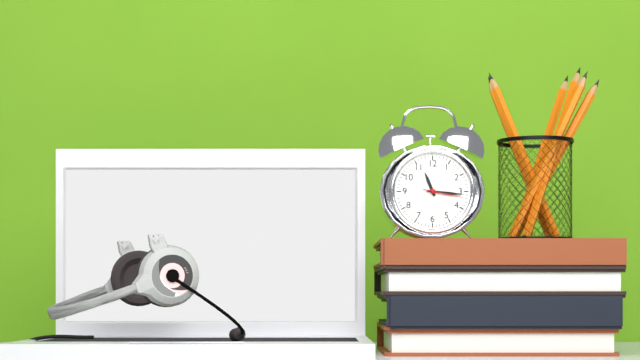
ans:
**11:16**
